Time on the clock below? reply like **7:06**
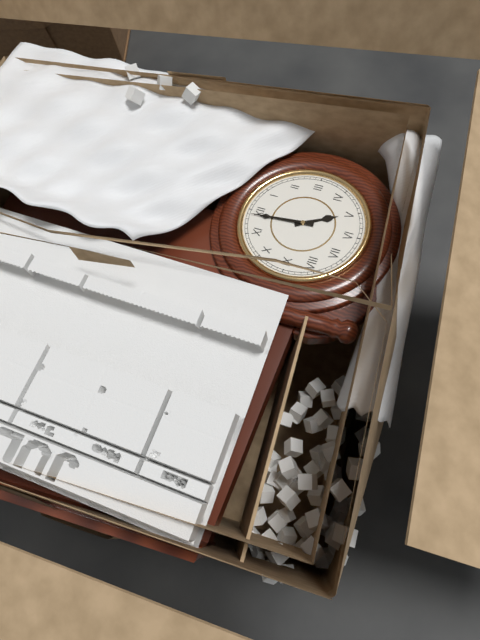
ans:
**4:59**
